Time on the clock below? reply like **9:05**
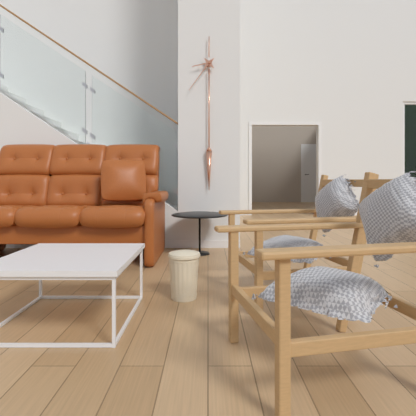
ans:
**8:36**
